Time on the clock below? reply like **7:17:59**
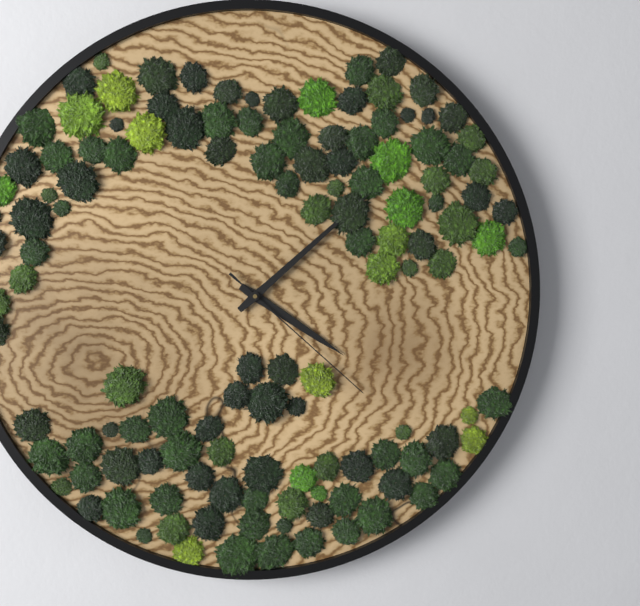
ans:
**4:08:22**
